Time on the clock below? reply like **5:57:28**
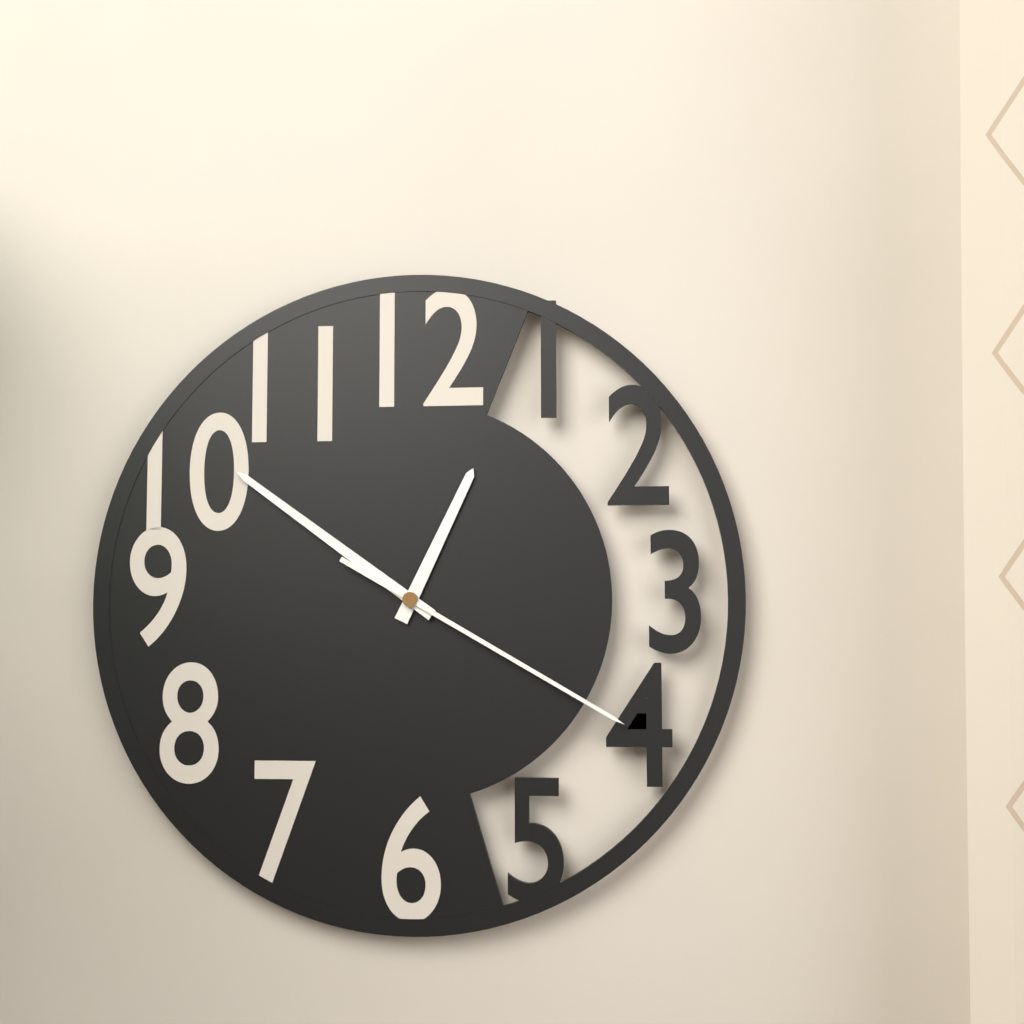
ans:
**12:51:20**
